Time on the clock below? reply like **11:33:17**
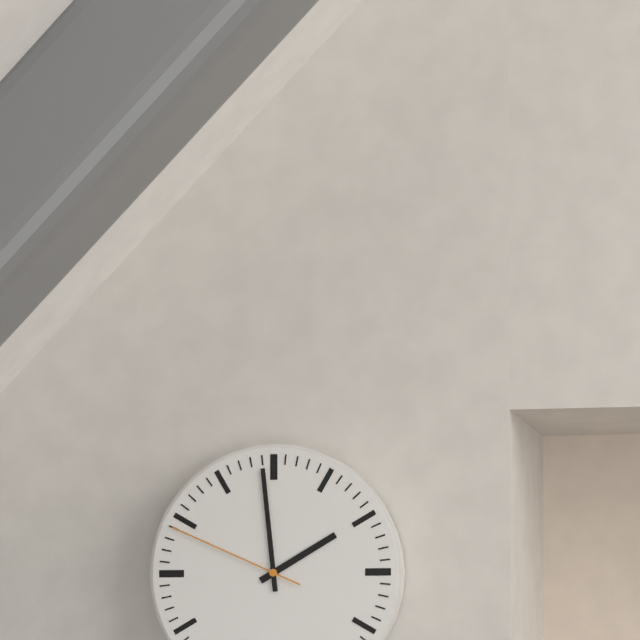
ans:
**1:59:49**
